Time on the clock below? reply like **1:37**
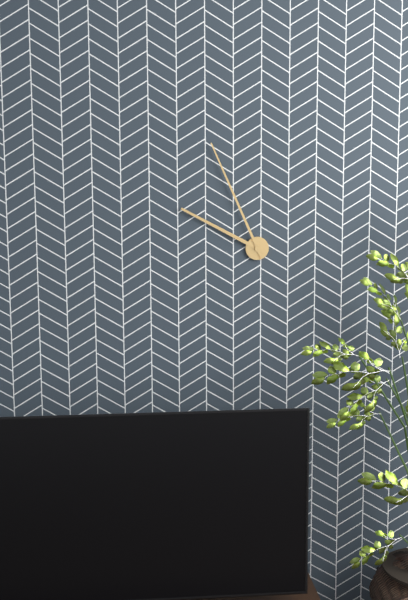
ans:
**9:56**
